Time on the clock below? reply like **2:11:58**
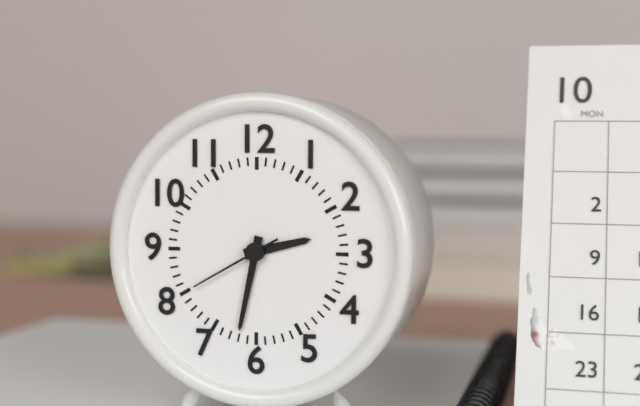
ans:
**2:32:40**
